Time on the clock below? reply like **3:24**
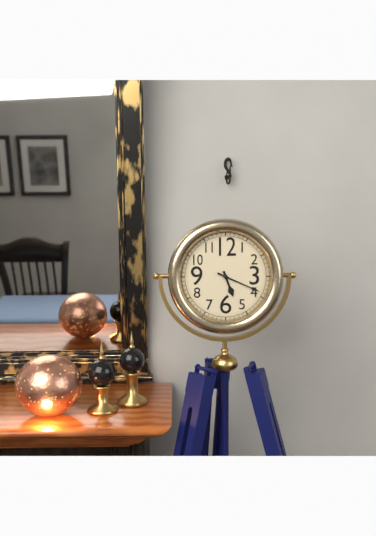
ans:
**5:19**
